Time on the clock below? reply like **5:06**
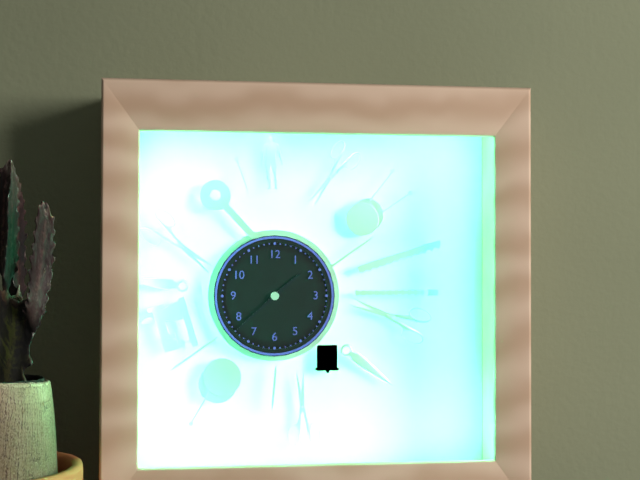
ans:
**1:38**
